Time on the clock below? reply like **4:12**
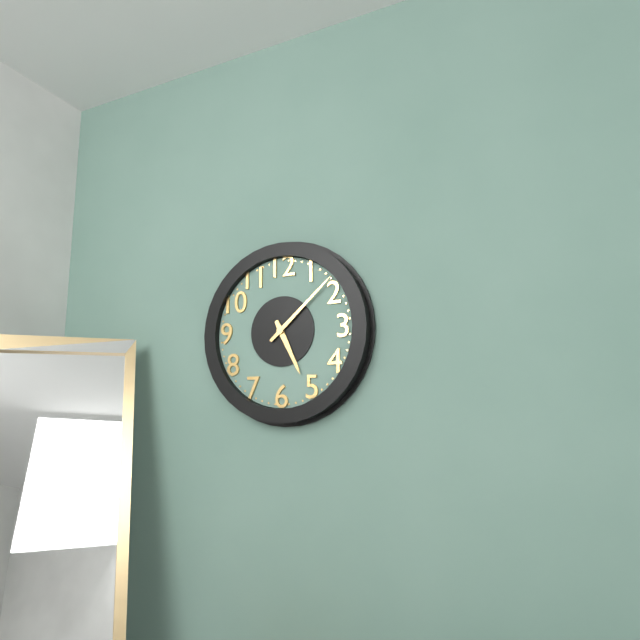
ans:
**5:08**
